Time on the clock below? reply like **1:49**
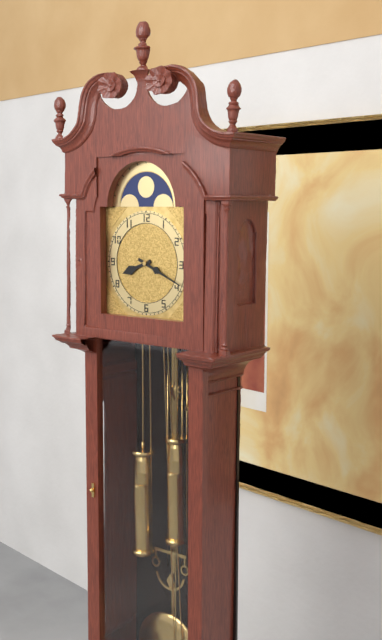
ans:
**8:19**
